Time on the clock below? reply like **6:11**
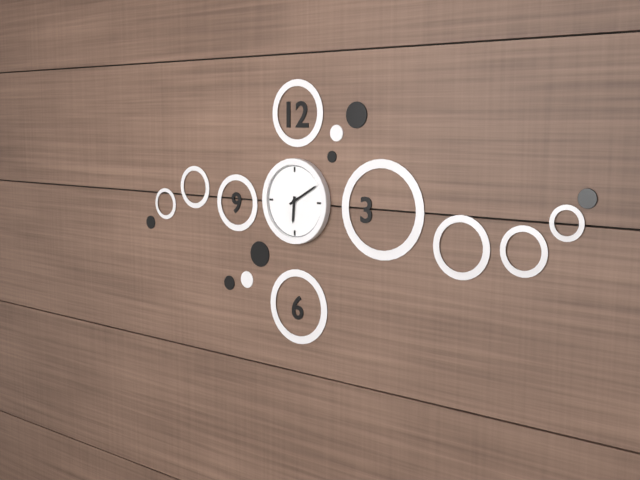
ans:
**6:10**
